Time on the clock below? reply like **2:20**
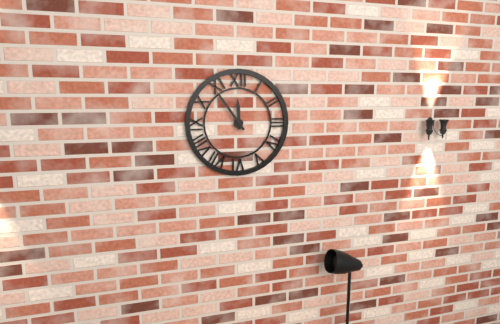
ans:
**11:54**
